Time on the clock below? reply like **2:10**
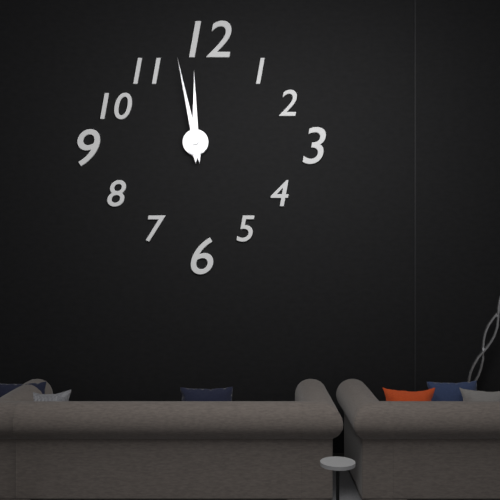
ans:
**11:58**
